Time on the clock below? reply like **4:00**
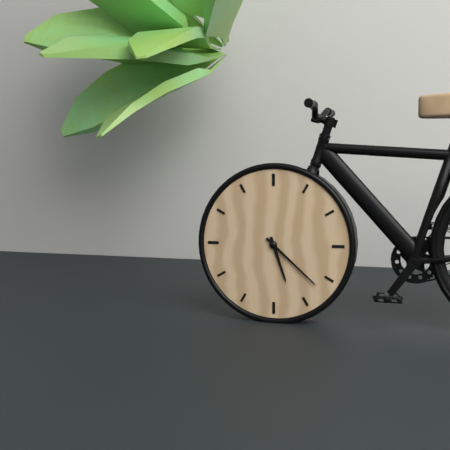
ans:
**5:22**
